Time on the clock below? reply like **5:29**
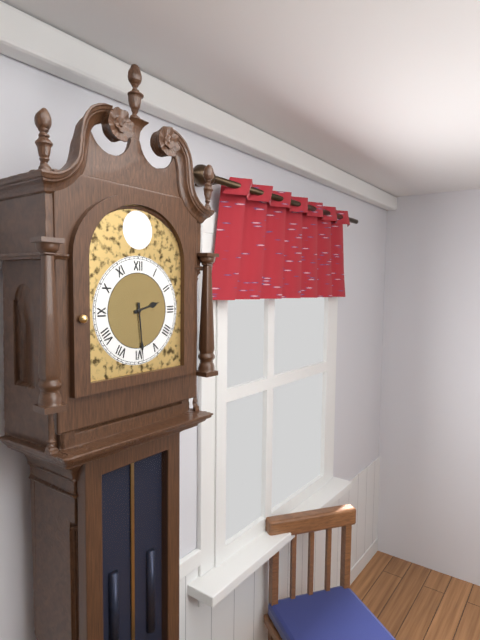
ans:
**2:29**
